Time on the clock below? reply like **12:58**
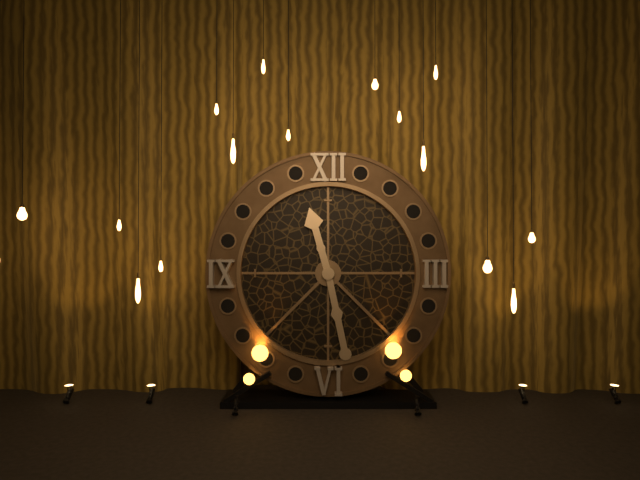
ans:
**11:28**
